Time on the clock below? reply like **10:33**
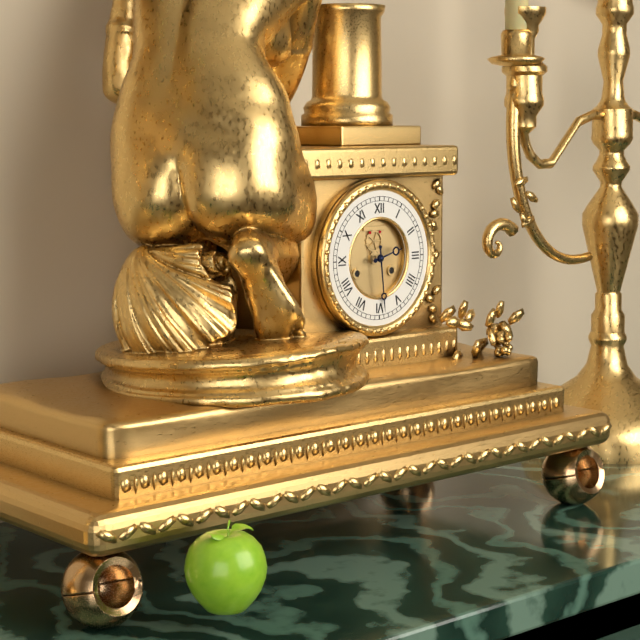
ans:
**2:29**
